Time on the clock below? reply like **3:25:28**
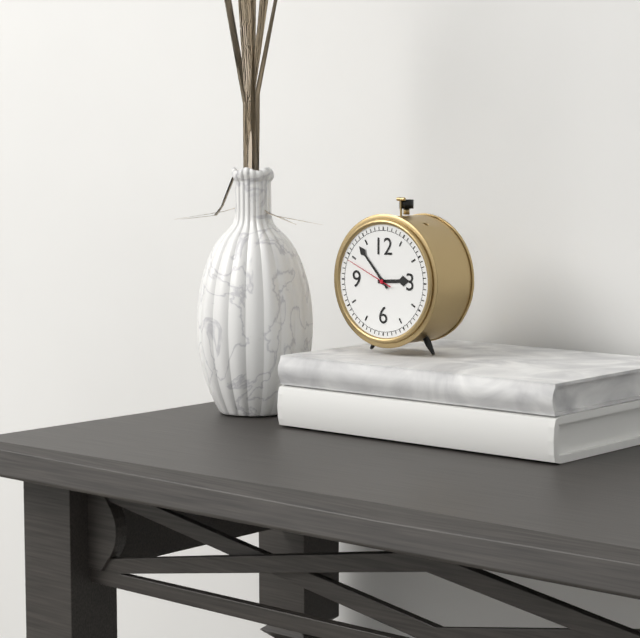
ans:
**2:53:49**
